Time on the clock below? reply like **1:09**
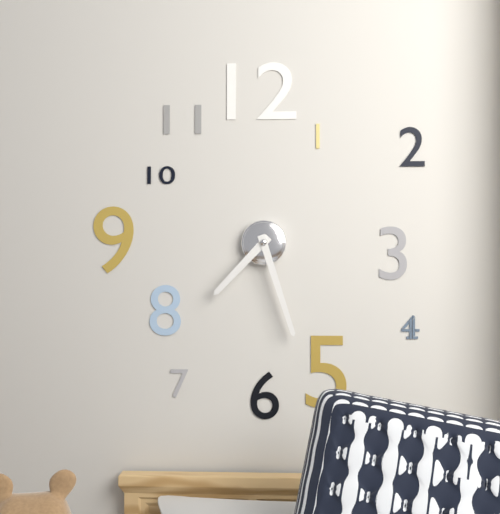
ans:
**7:27**
